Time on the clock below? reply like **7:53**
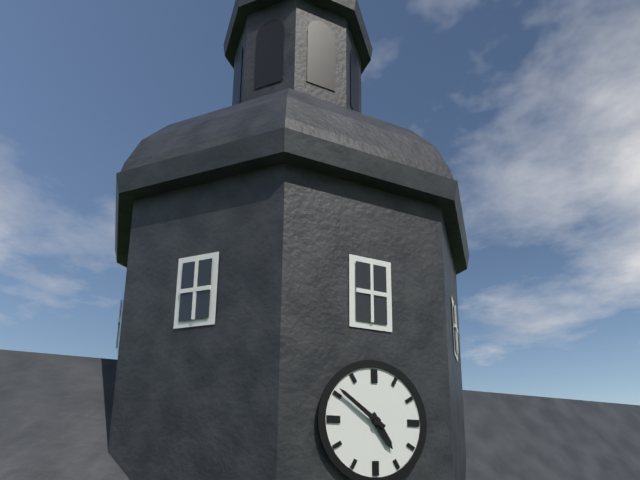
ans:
**4:51**
